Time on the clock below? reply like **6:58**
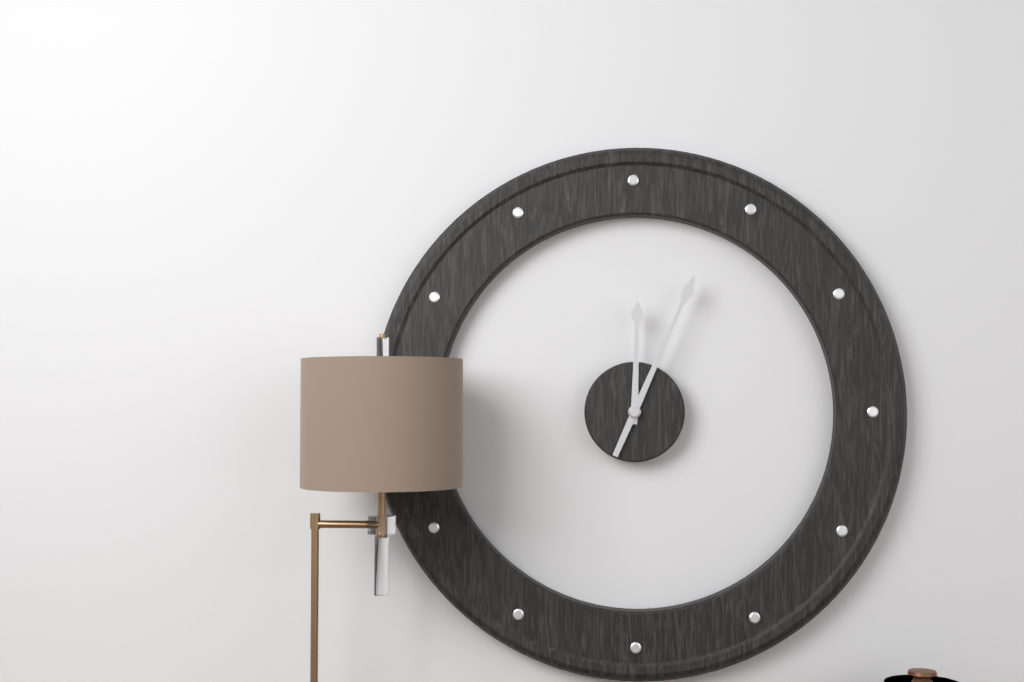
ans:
**12:04**
